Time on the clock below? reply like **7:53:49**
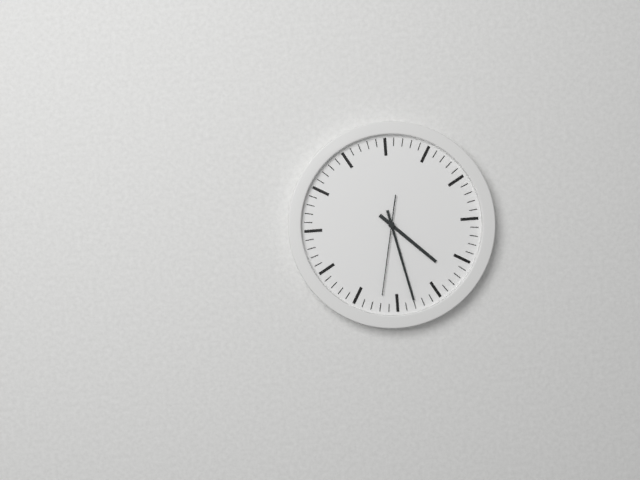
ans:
**4:28:32**
